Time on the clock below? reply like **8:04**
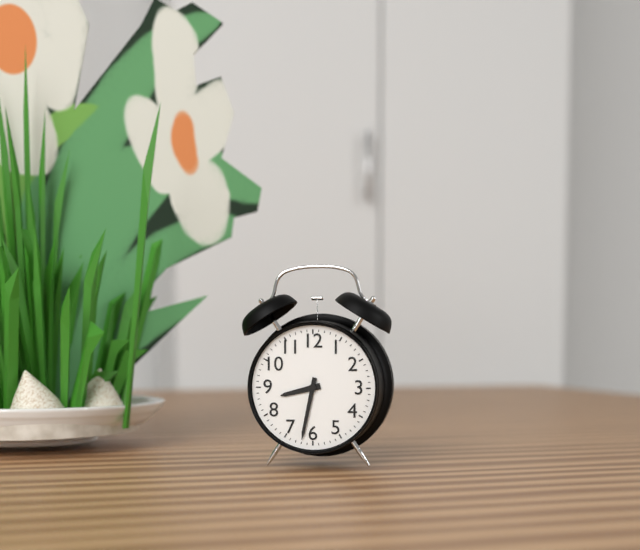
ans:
**8:32**
